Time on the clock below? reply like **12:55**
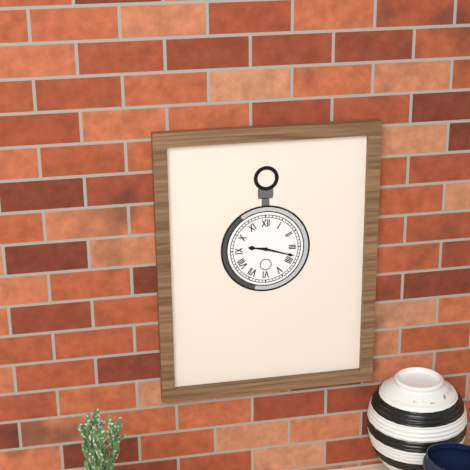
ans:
**9:18**
